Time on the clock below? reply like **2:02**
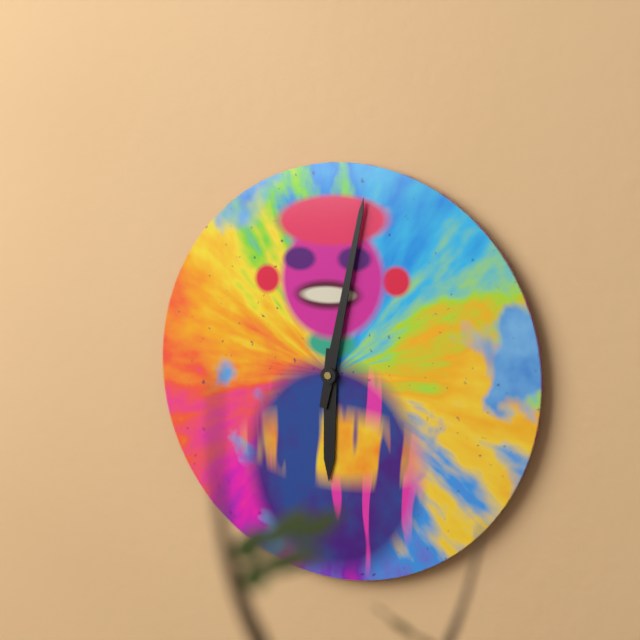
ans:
**6:02**
